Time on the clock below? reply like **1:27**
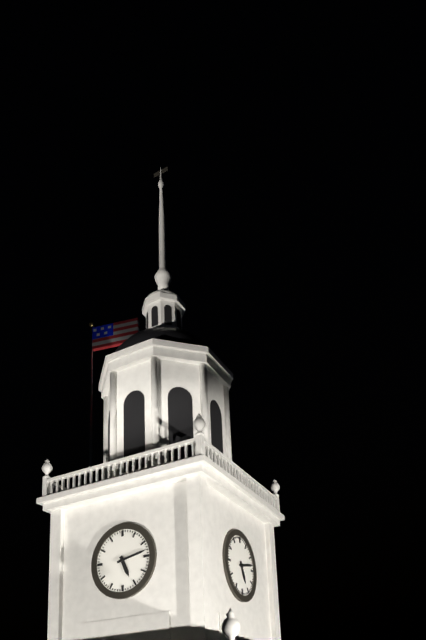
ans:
**5:13**
